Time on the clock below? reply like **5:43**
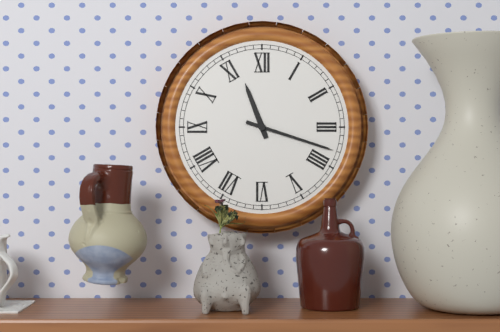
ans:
**11:18**
